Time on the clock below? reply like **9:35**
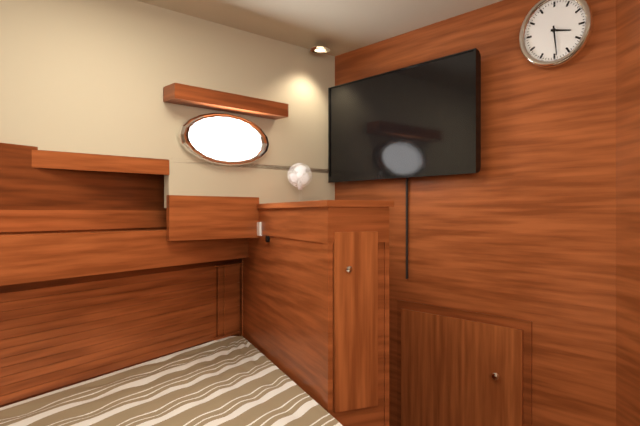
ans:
**3:29**
